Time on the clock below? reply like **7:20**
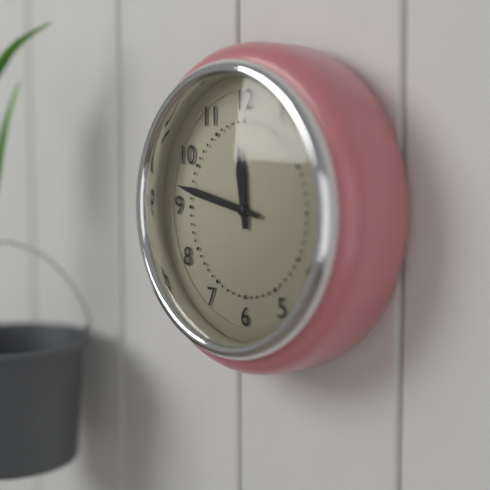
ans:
**11:47**
